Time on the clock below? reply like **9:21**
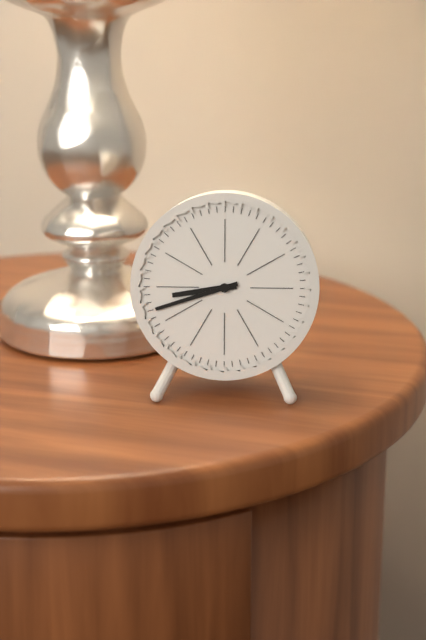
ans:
**8:42**
